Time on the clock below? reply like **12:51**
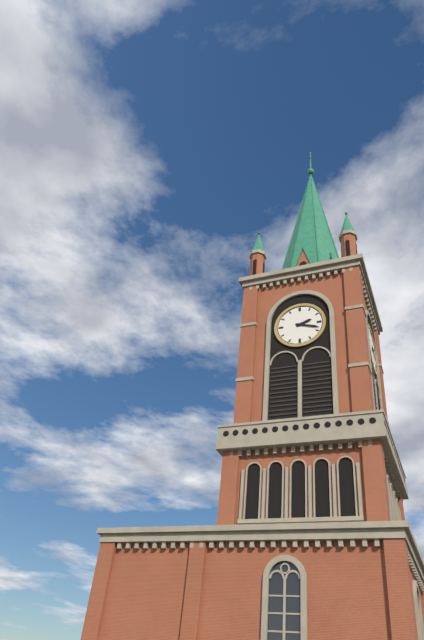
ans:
**2:18**
